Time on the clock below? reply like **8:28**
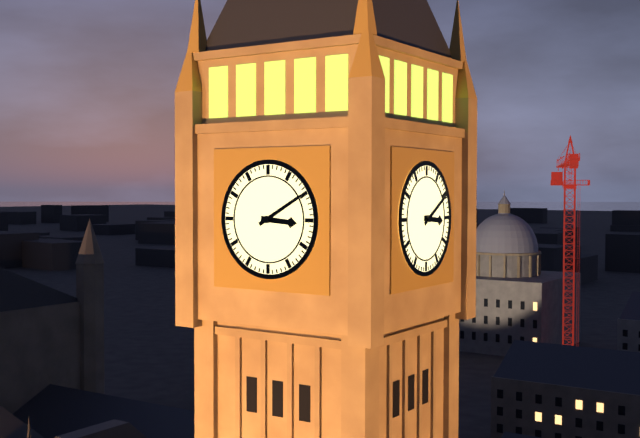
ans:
**3:10**
